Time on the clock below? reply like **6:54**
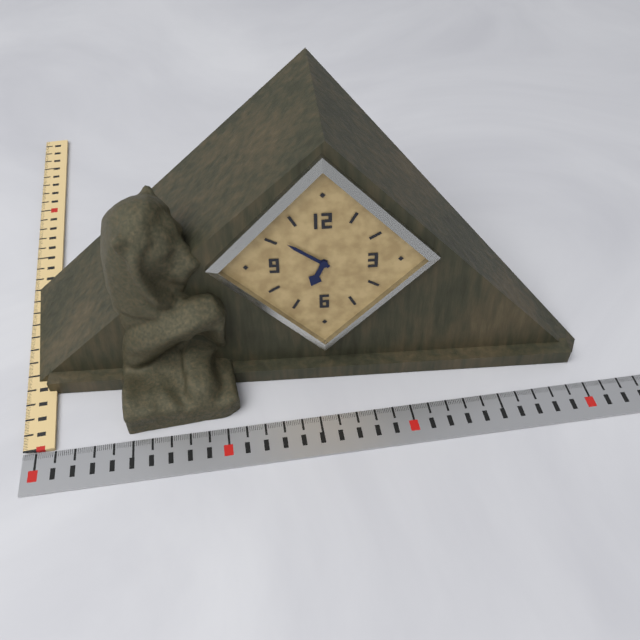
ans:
**6:51**
